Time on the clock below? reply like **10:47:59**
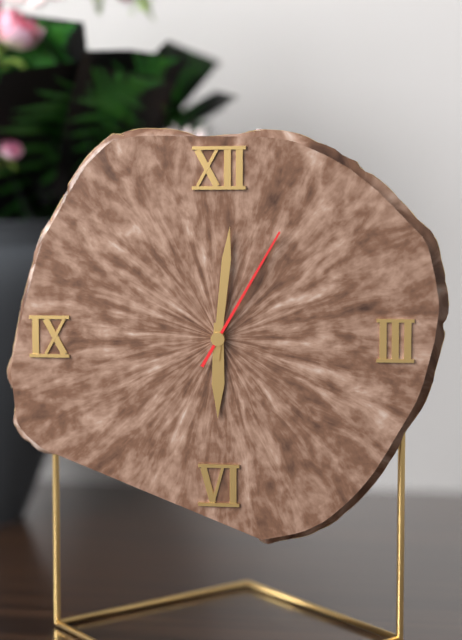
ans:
**6:01:05**
